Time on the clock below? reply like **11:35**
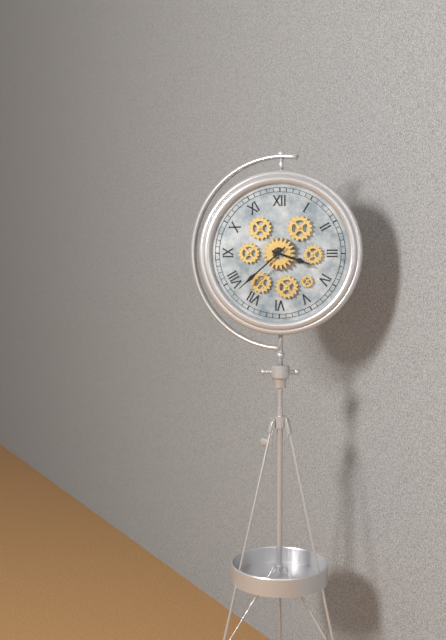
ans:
**3:38**
